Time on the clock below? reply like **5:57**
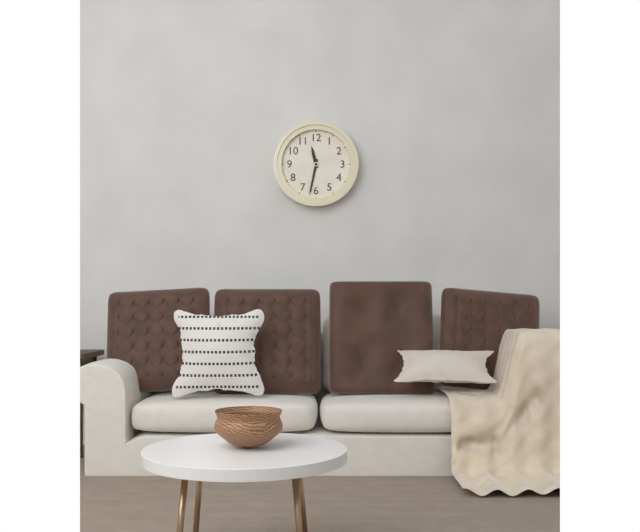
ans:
**11:32**
